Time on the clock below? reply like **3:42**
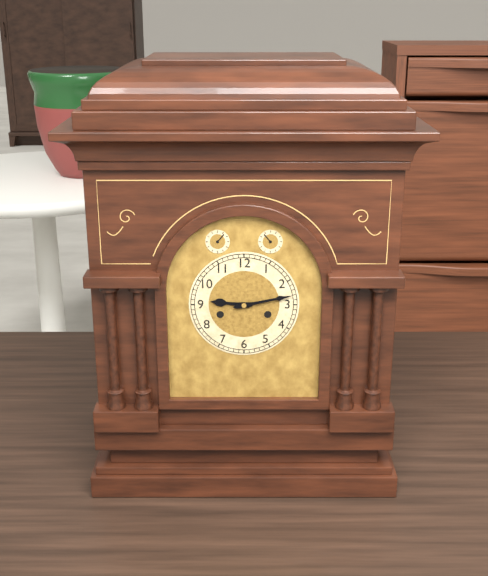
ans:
**9:13**
